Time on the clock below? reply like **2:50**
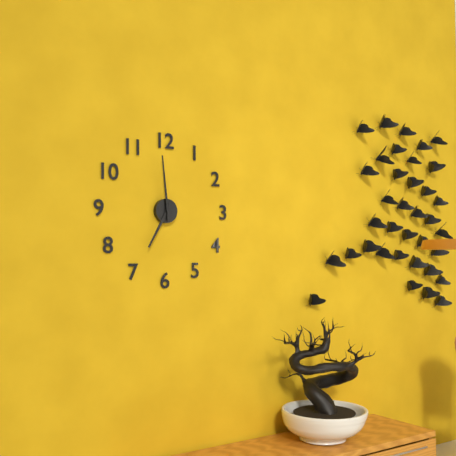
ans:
**6:59**
